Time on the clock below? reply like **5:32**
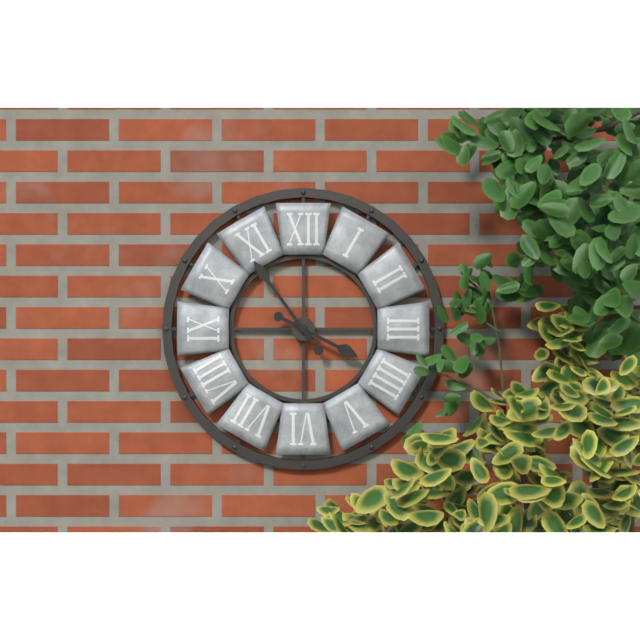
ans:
**3:54**
